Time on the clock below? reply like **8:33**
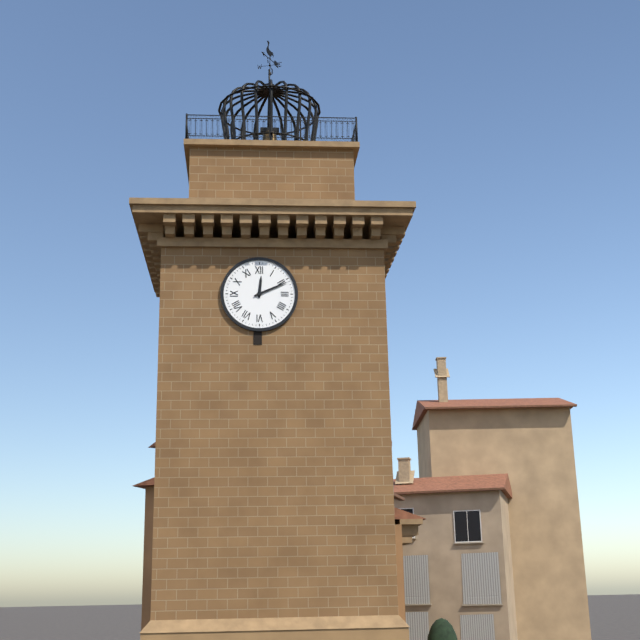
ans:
**12:11**
